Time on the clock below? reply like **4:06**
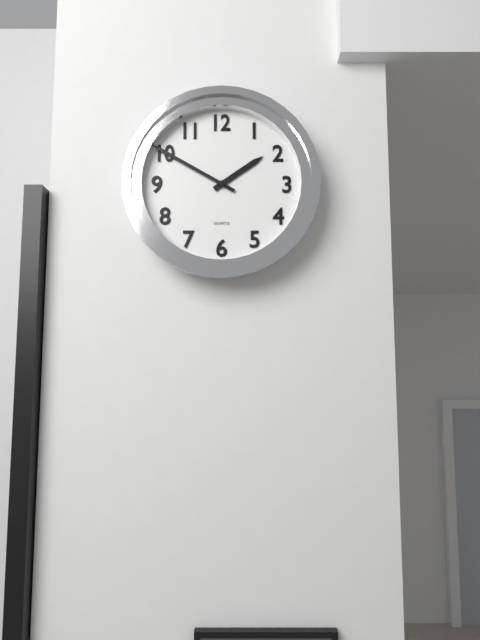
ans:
**1:50**
